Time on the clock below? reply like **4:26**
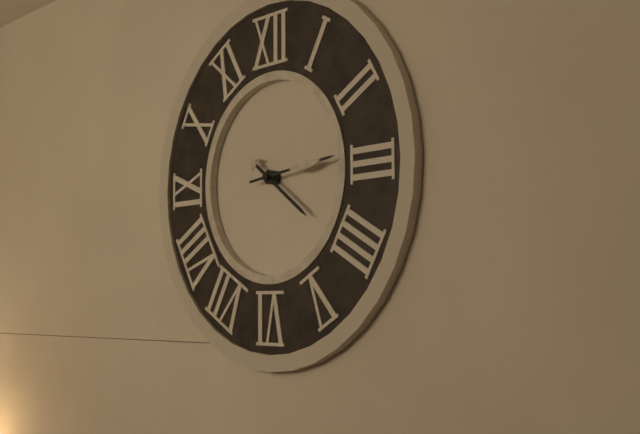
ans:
**4:14**
